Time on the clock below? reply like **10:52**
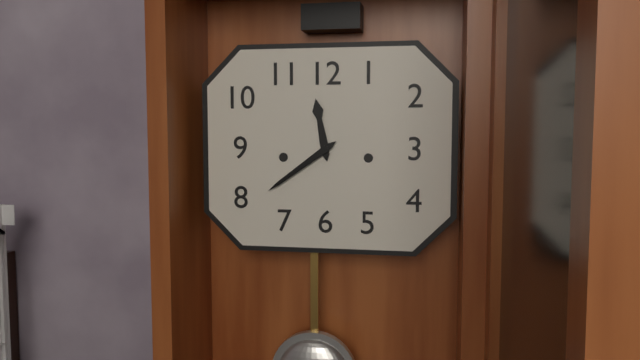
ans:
**11:39**
